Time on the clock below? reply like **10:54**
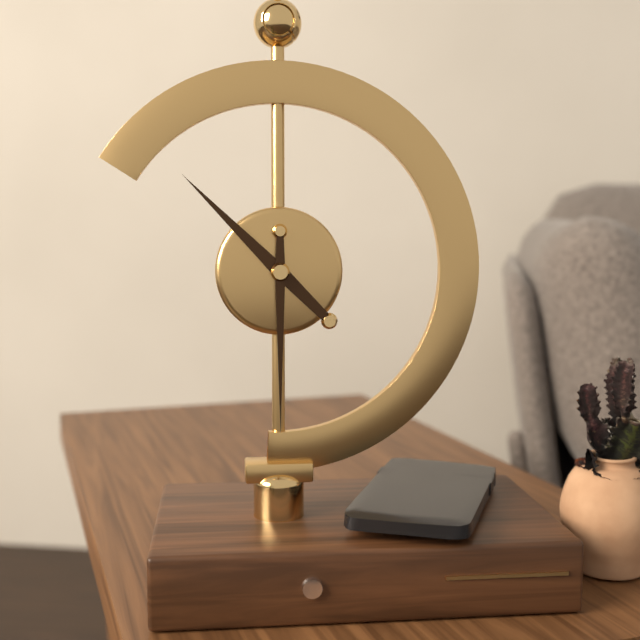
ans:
**10:30**
